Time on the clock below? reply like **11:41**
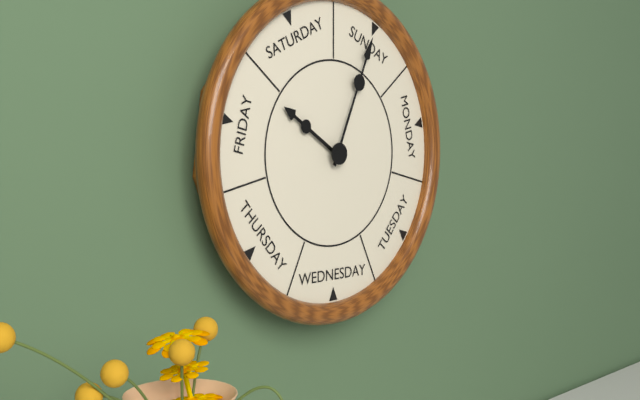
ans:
**10:04**
